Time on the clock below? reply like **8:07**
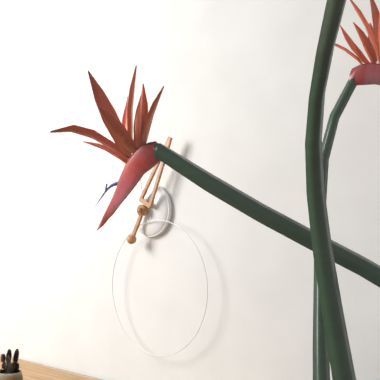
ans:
**12:58**
